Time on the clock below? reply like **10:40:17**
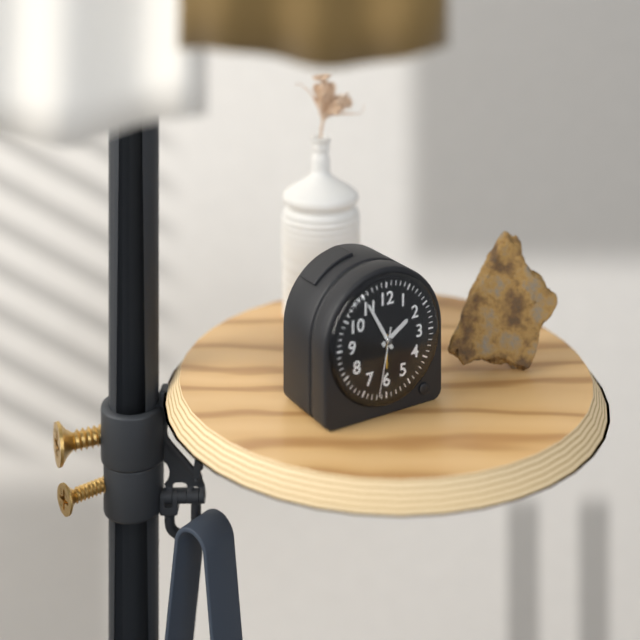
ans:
**1:55:32**
